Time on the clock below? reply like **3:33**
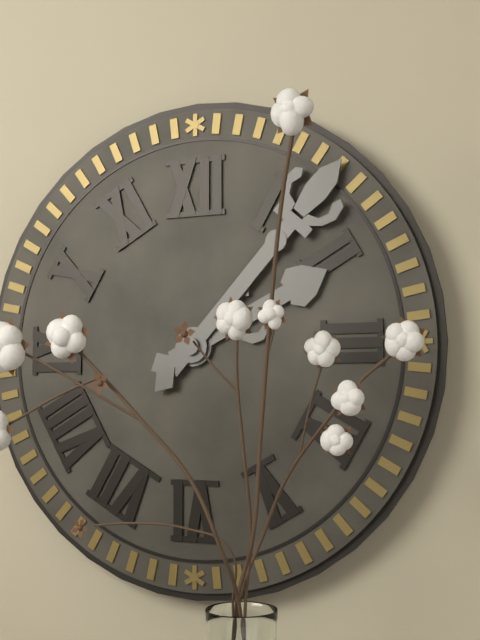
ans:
**2:07**
